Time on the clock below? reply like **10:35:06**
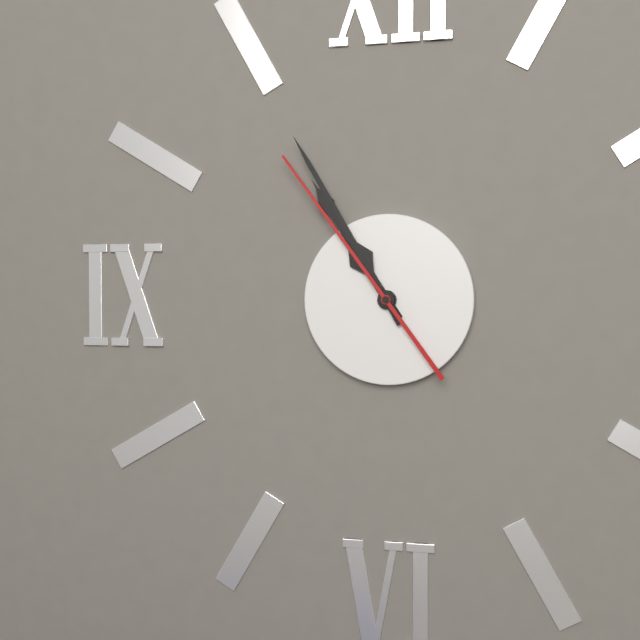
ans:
**10:55:54**
